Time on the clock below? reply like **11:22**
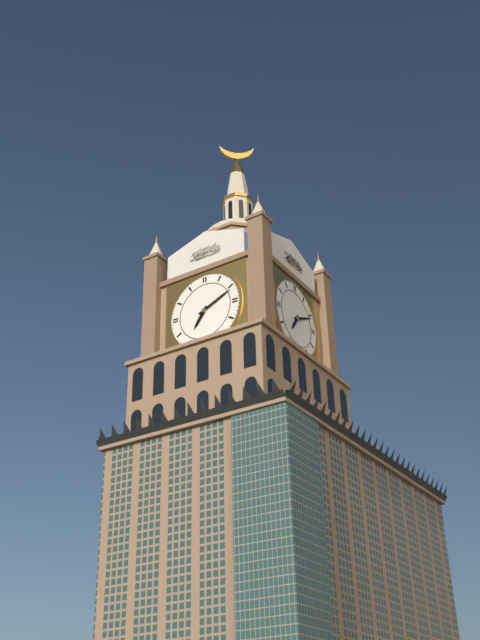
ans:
**7:11**
